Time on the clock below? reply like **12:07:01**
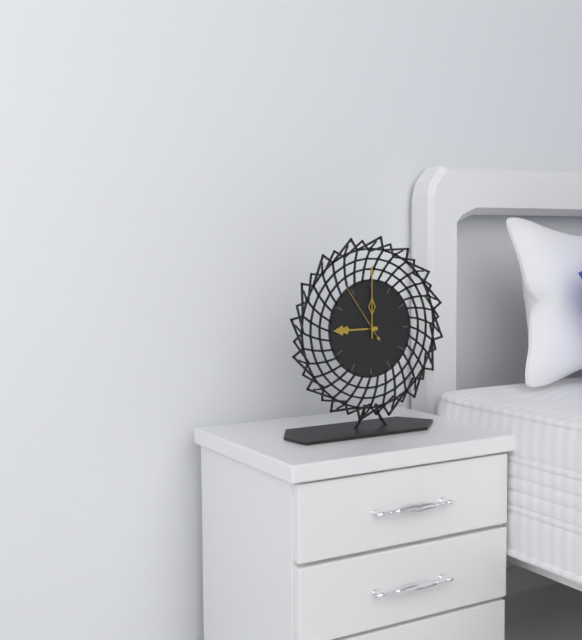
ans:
**9:00:54**
